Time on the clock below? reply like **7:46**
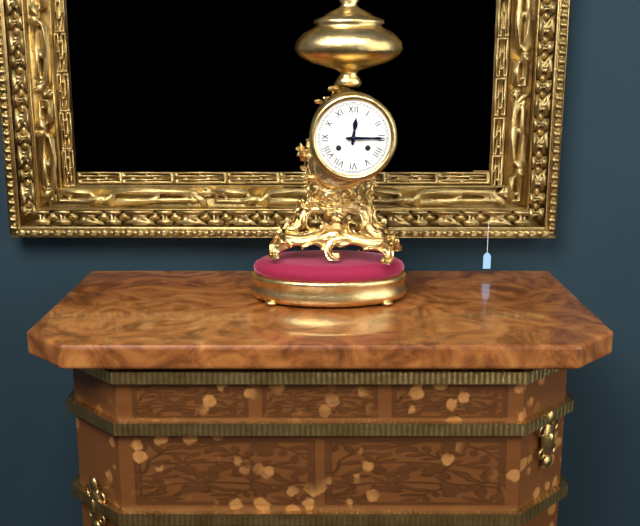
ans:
**12:15**
